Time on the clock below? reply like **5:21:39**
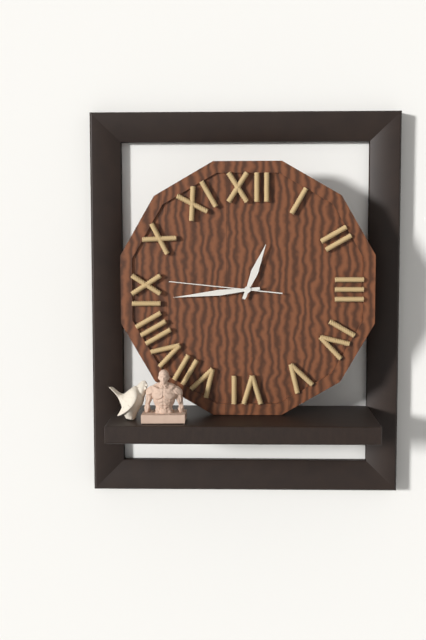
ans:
**12:44:46**
